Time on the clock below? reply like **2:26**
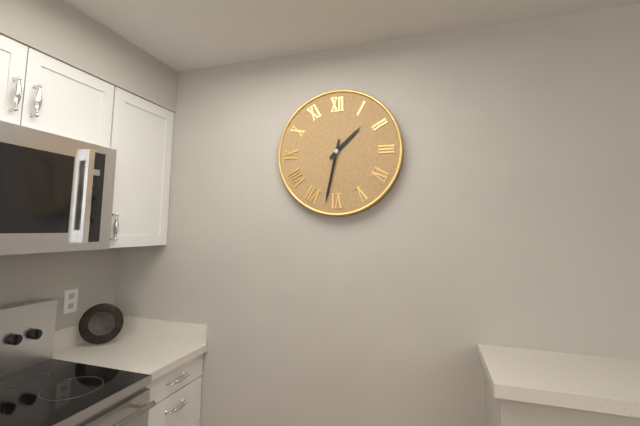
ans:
**1:32**
